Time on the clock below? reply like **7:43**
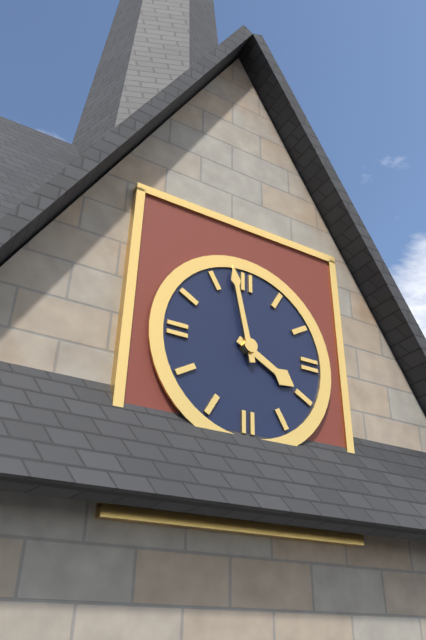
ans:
**3:58**
